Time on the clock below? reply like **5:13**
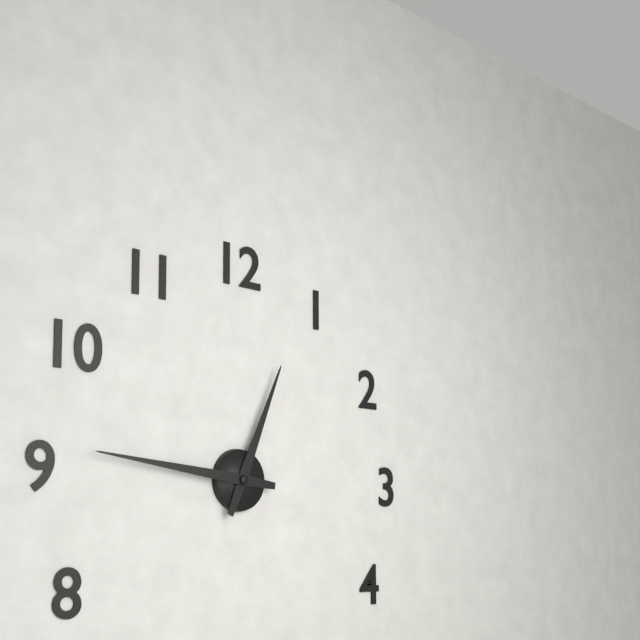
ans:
**12:46**
